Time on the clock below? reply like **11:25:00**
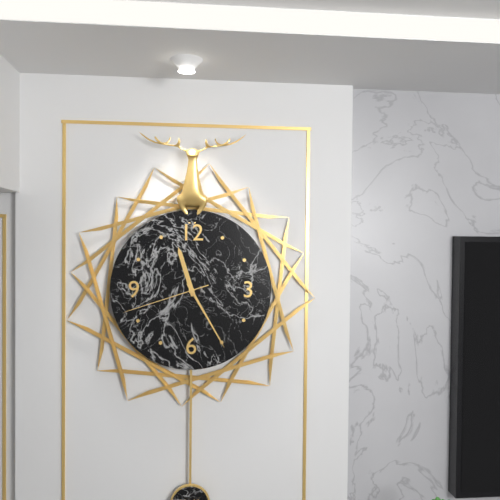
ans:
**11:25:42**
